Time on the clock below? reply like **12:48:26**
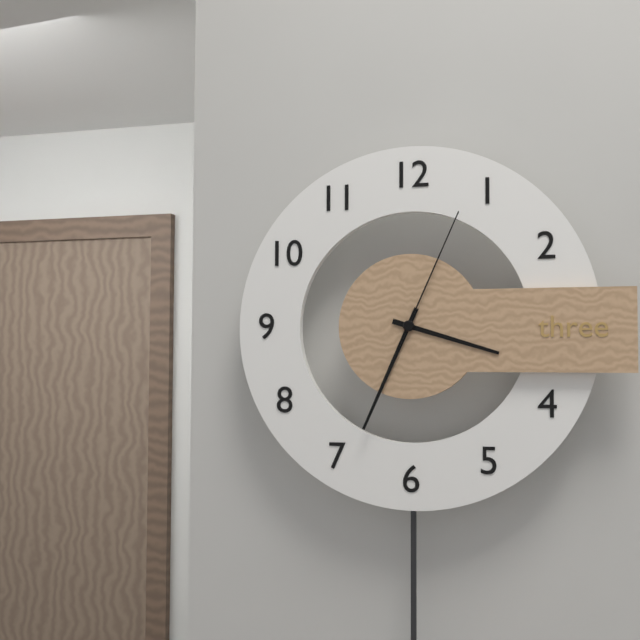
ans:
**3:34:04**
